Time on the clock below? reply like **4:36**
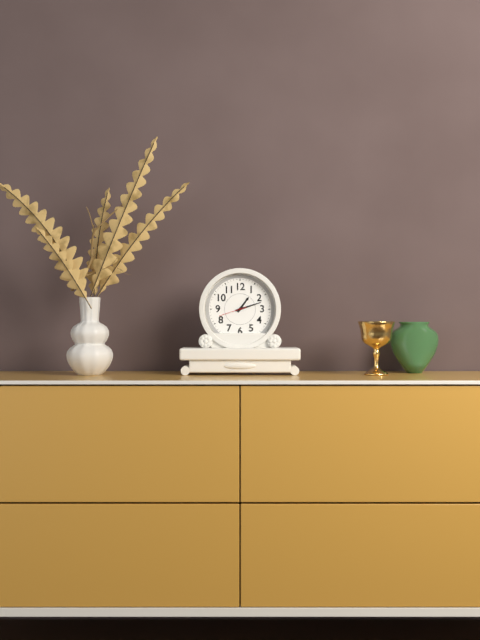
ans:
**1:12**
